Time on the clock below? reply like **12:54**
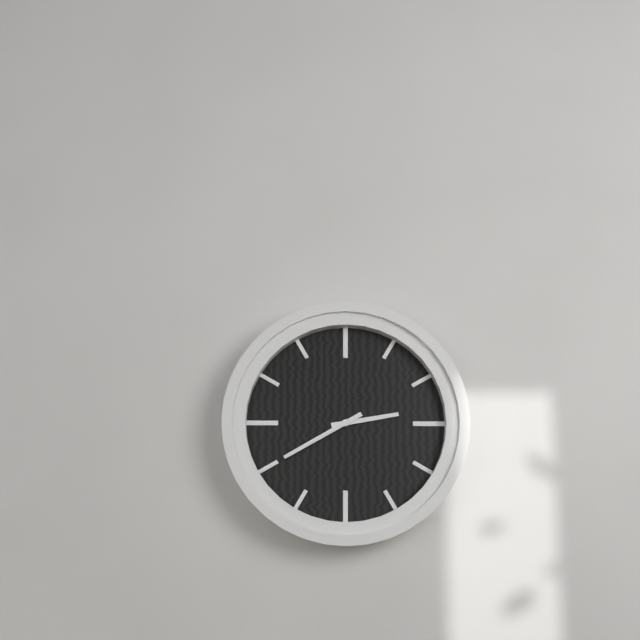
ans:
**2:40**
